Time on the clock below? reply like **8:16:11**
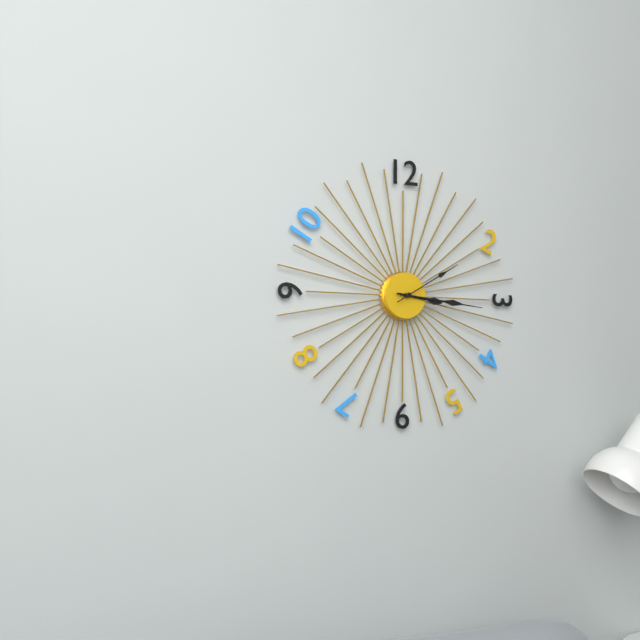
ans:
**3:16:10**
